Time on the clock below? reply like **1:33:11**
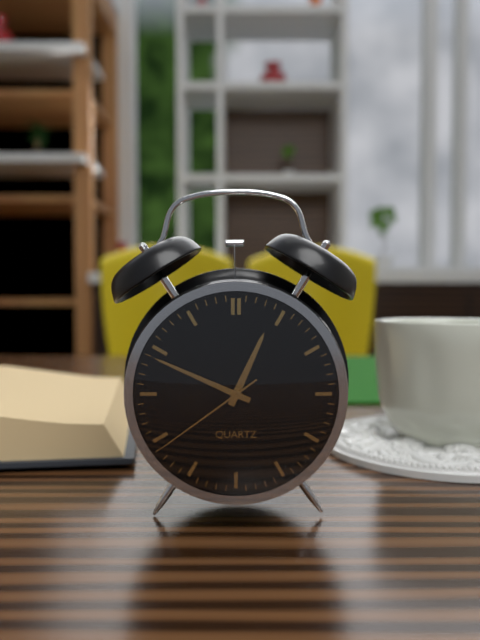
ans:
**12:49:39**
